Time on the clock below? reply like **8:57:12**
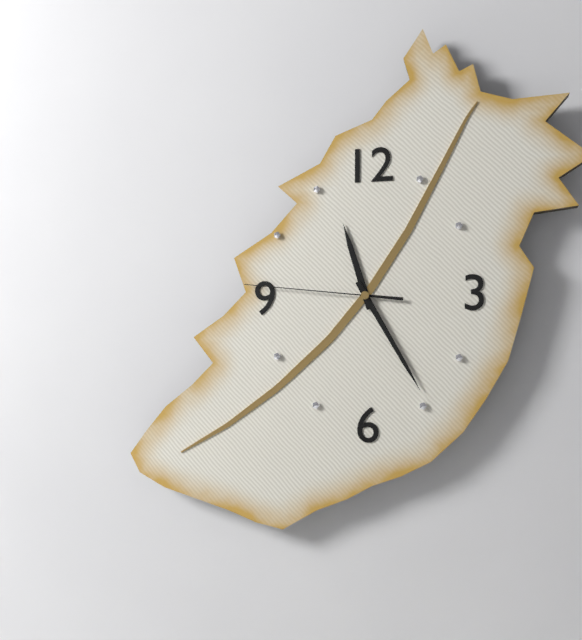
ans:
**11:25:46**
